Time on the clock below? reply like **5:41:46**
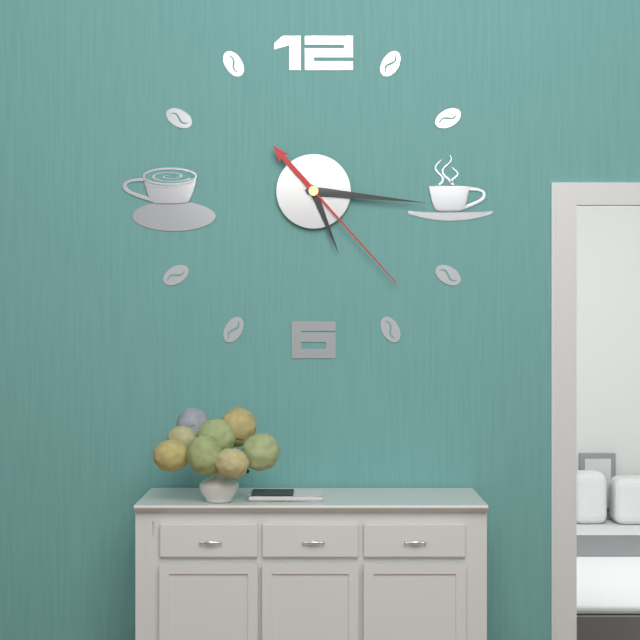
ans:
**5:16:23**
